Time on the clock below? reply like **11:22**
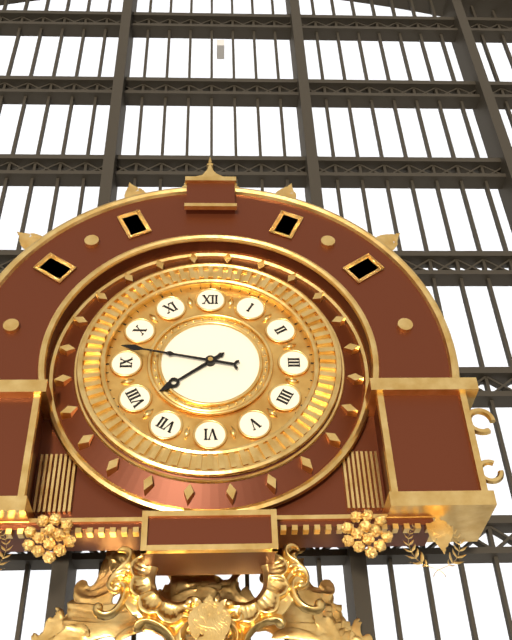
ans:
**7:47**
